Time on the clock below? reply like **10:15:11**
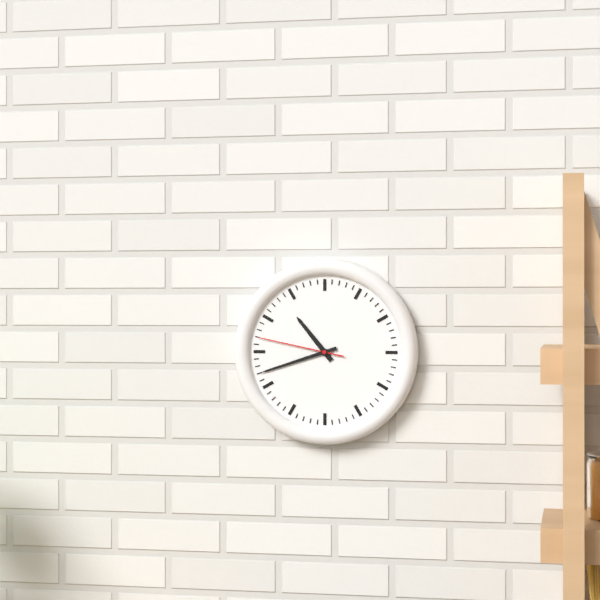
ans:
**10:42:47**
